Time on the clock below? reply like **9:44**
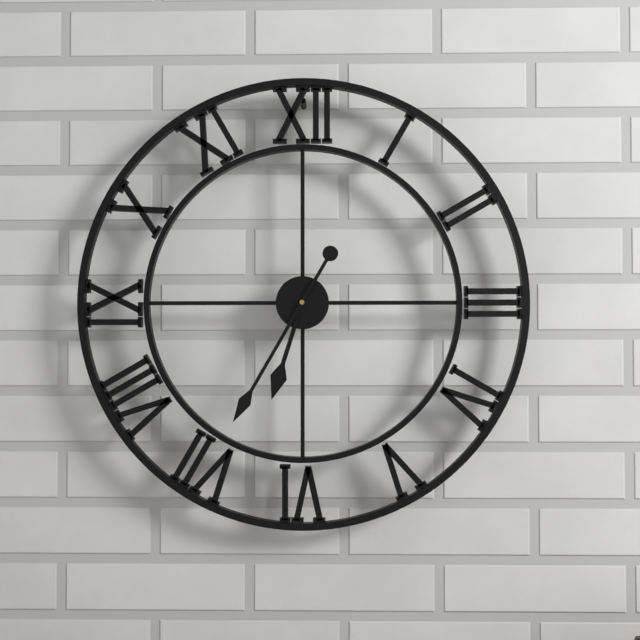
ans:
**6:35**
